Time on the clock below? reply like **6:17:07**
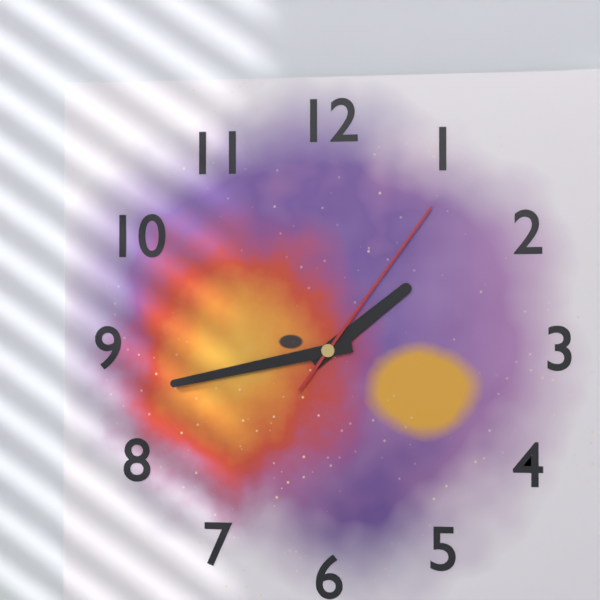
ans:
**1:43:06**
